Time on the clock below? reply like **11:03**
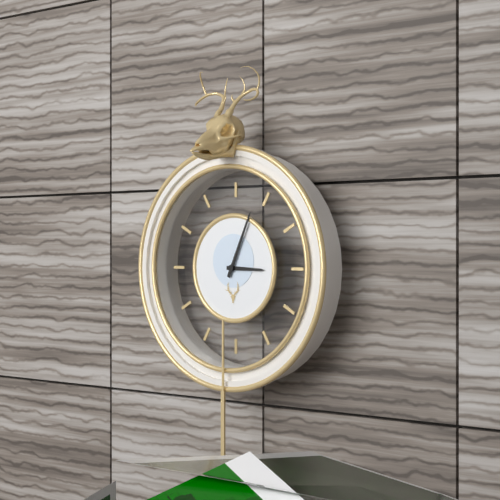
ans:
**3:04**
